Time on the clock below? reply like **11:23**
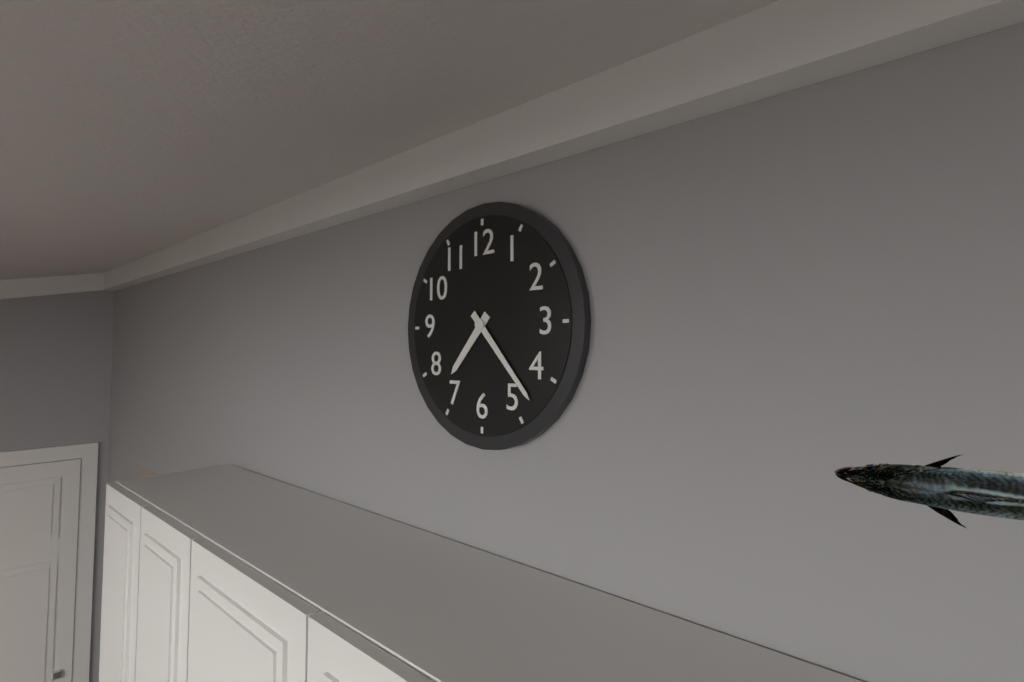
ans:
**7:23**
